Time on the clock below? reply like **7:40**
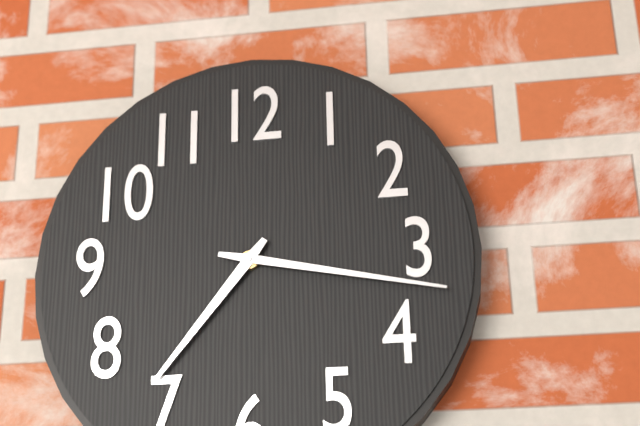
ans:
**7:17**
